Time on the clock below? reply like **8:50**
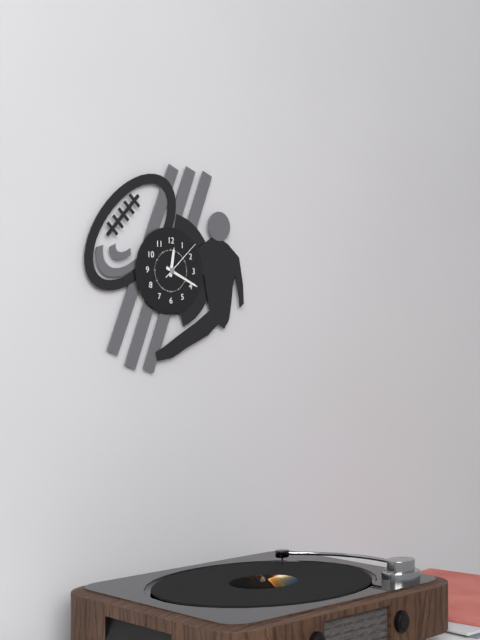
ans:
**12:19**
